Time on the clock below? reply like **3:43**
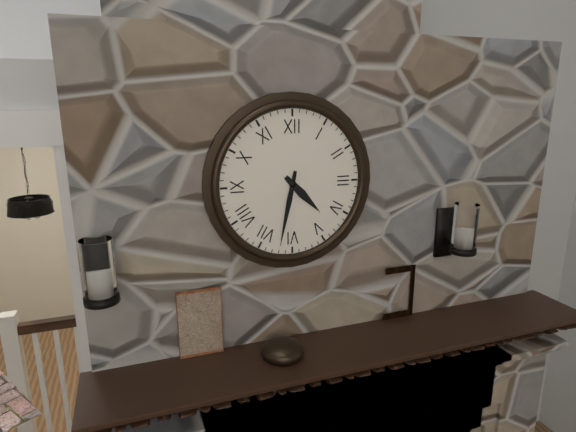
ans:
**4:32**
